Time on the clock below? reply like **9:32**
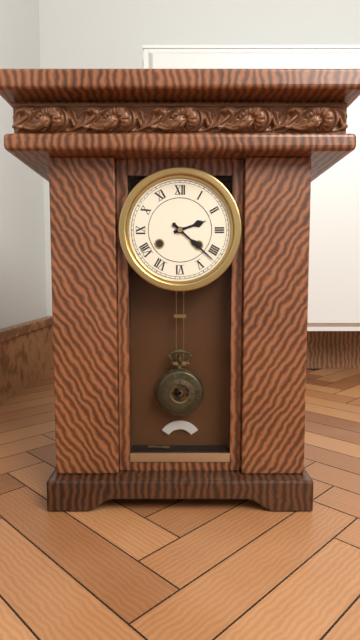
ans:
**2:22**
